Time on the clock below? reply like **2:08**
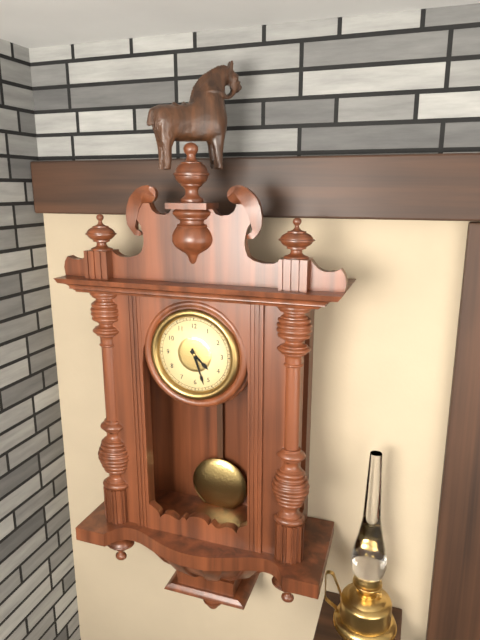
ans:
**4:27**
